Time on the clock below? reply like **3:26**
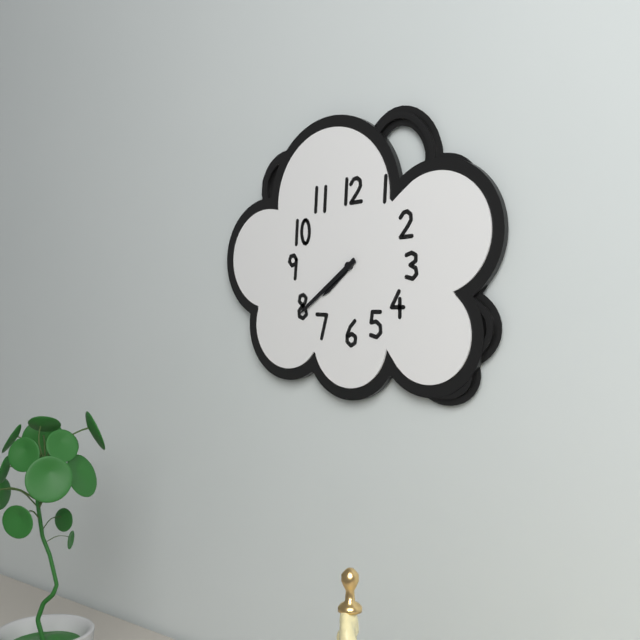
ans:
**7:39**
